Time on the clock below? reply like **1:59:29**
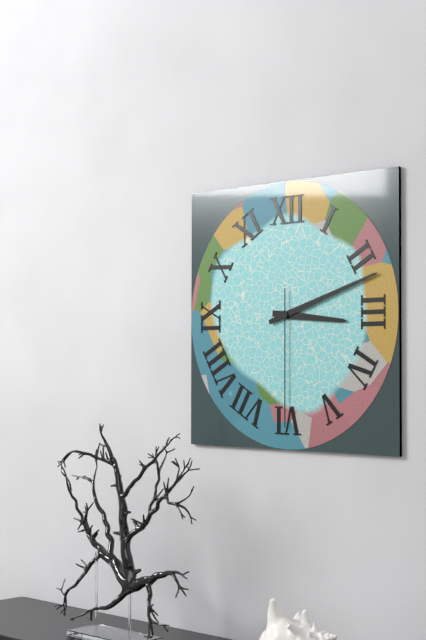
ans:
**3:12:30**
